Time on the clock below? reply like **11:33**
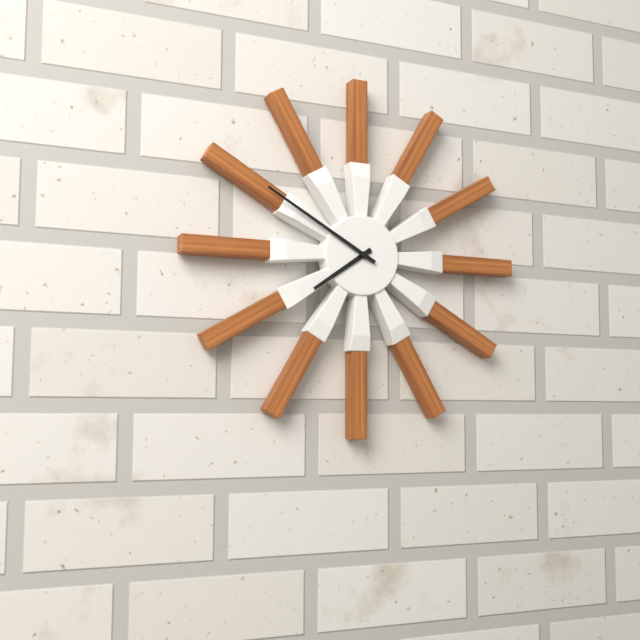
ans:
**7:50**
